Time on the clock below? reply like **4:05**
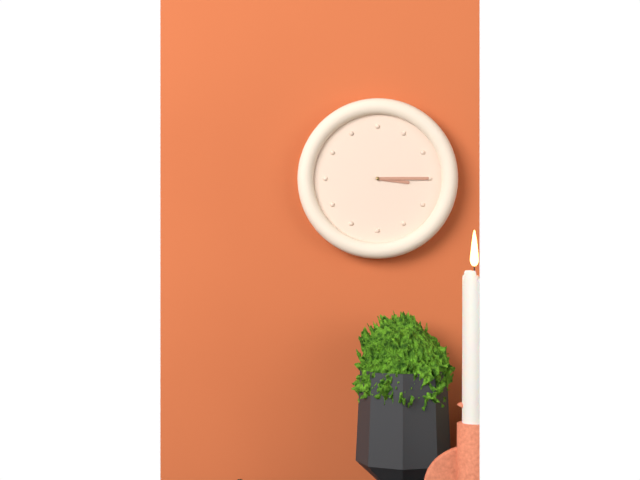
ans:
**3:15**
